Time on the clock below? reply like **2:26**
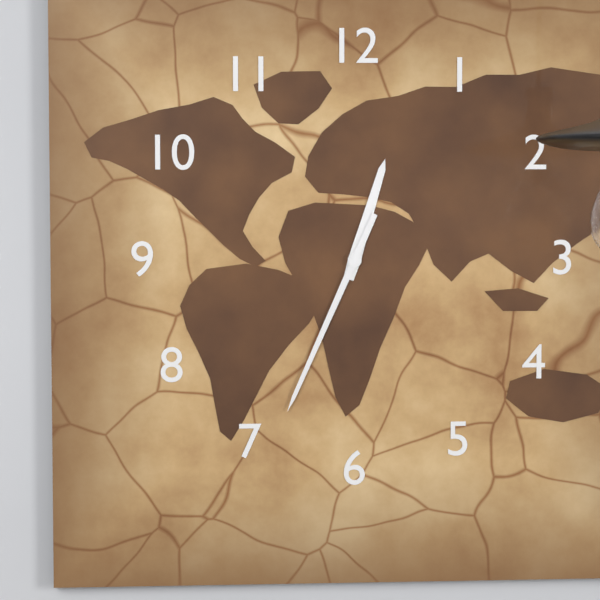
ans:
**12:34**
